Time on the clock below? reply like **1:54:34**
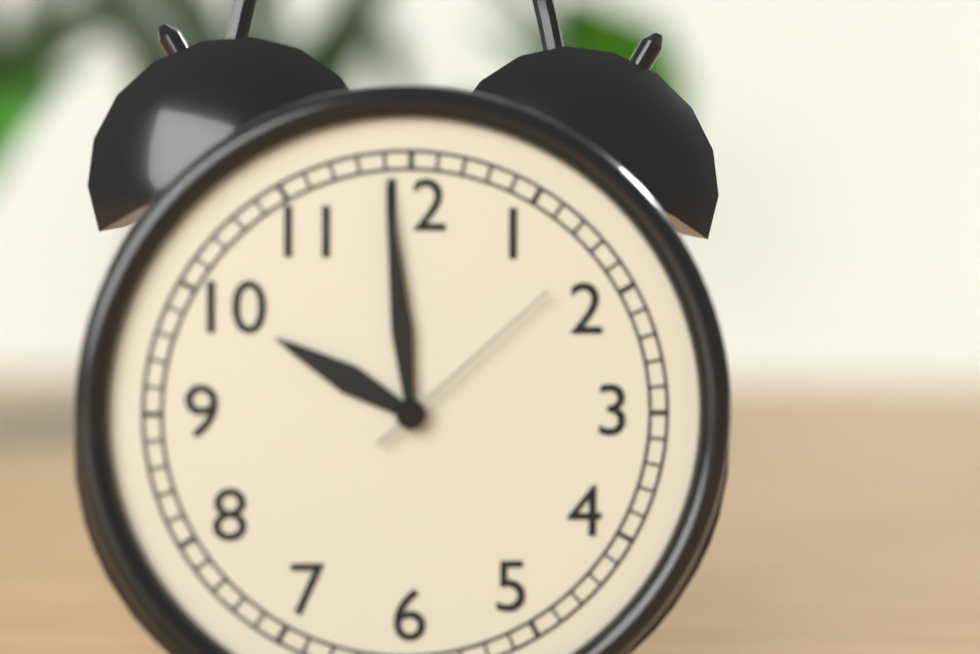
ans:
**9:59:08**
